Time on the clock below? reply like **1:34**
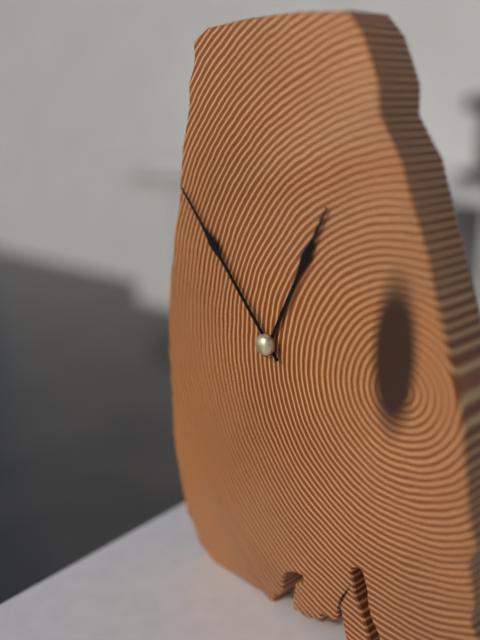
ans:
**12:53**
